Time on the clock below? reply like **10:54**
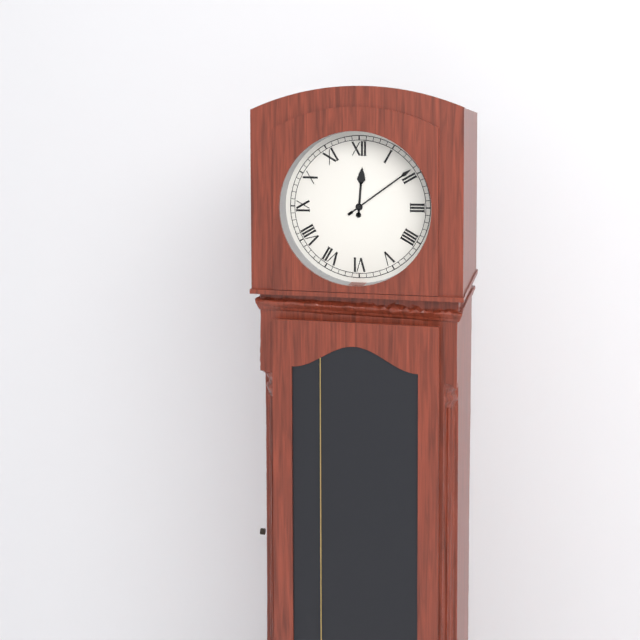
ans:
**12:09**
